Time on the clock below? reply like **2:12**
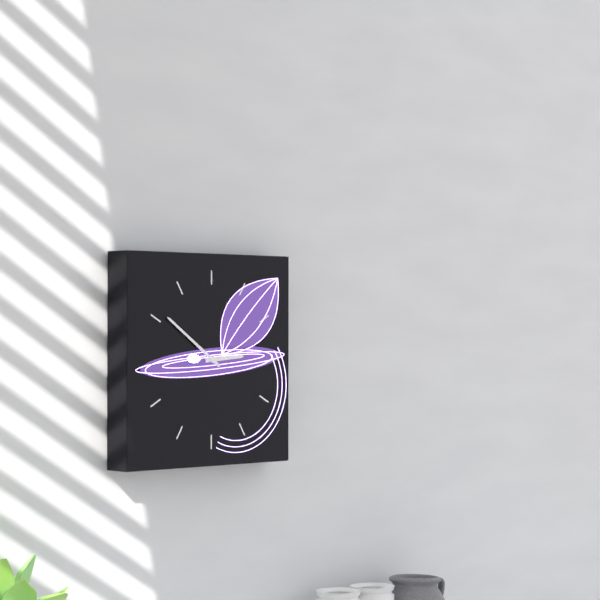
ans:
**2:51**
